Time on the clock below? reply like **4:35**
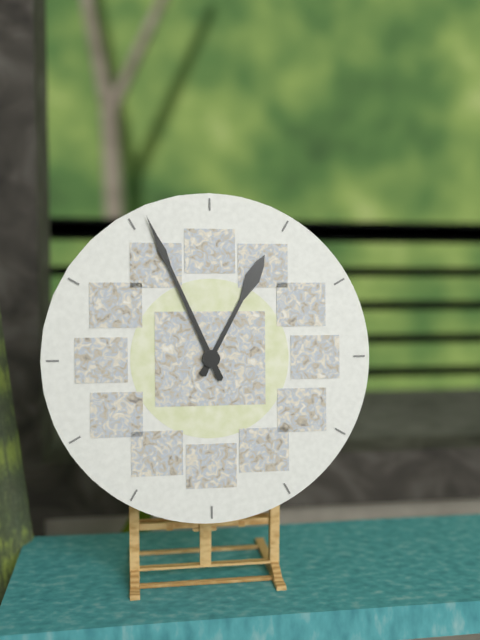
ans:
**12:56**
